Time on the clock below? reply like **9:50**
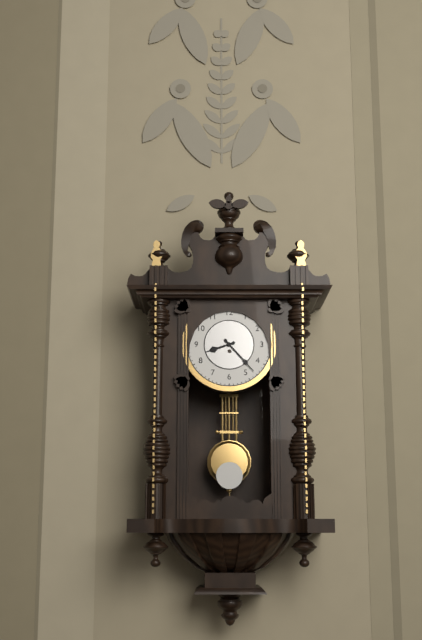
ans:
**8:23**
